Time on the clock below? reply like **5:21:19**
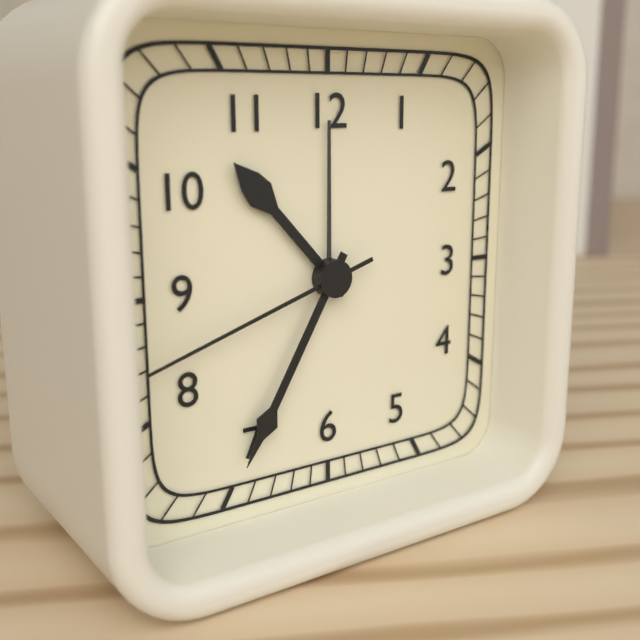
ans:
**10:35:42**
